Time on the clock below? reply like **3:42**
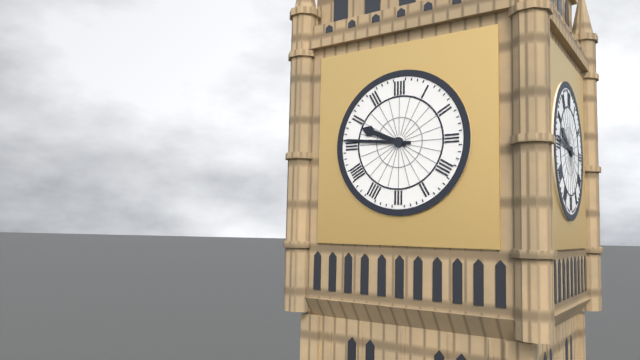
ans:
**9:46**
